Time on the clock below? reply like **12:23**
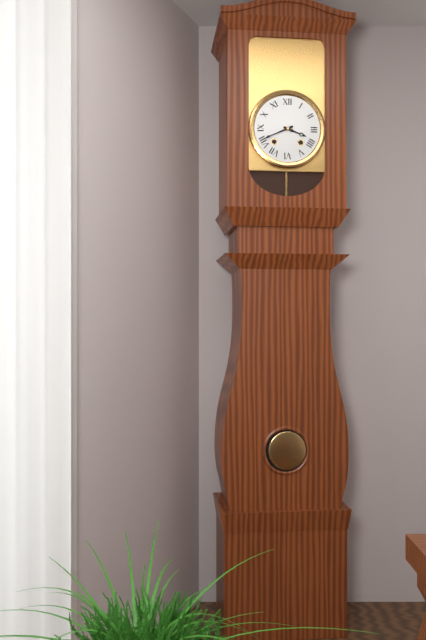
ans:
**3:41**
